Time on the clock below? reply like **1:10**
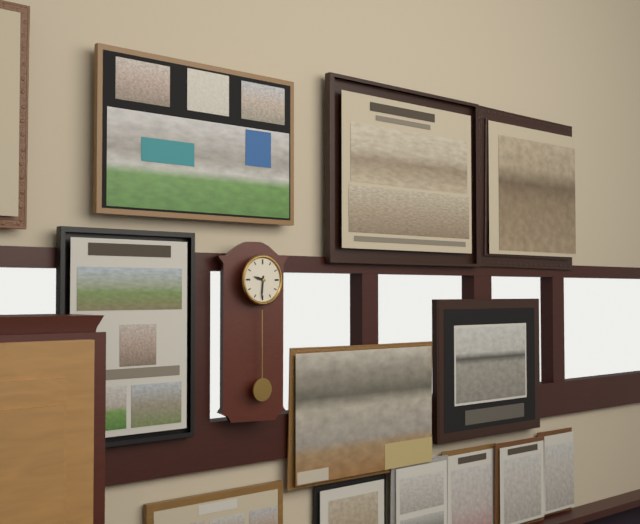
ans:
**9:31**
